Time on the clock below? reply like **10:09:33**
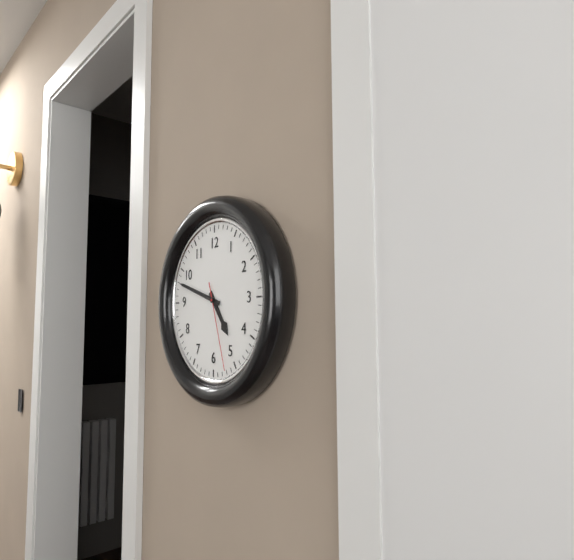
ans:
**4:48:27**
